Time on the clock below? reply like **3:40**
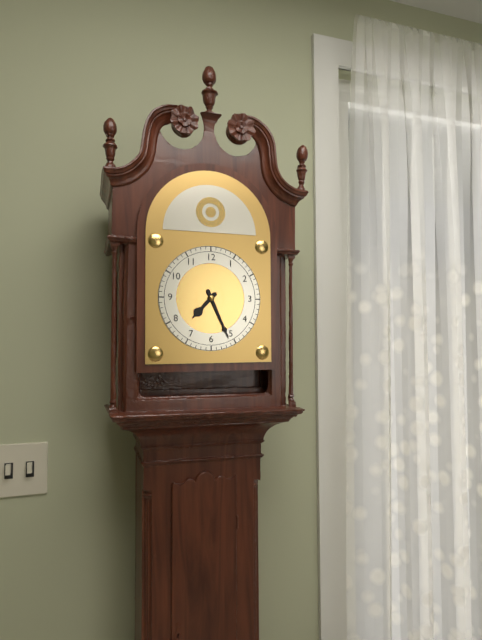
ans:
**7:26**
